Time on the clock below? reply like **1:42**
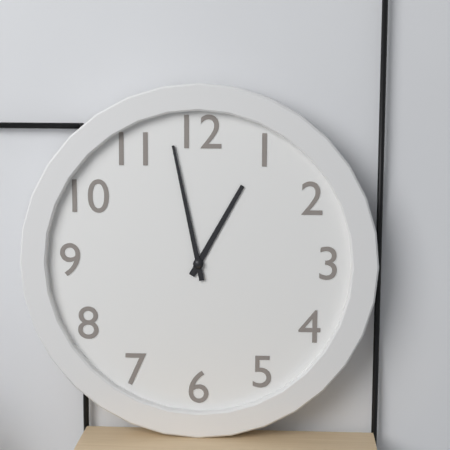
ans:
**12:58**
